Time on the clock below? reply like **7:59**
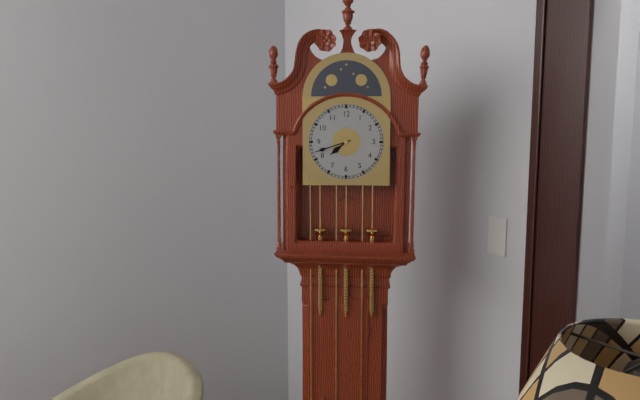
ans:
**7:42**
